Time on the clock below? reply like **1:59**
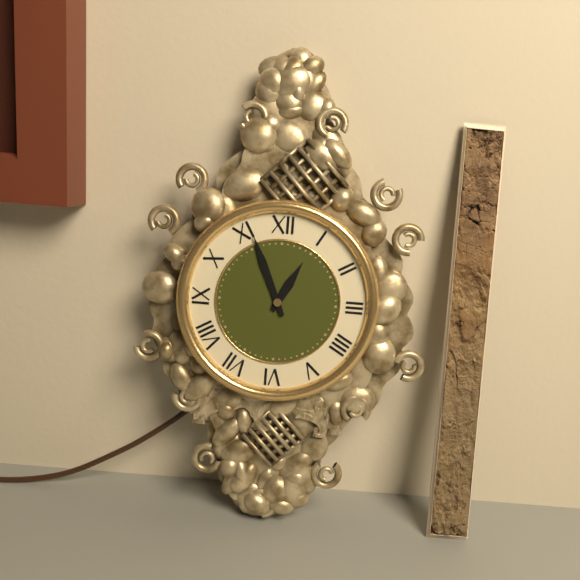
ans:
**12:56**
